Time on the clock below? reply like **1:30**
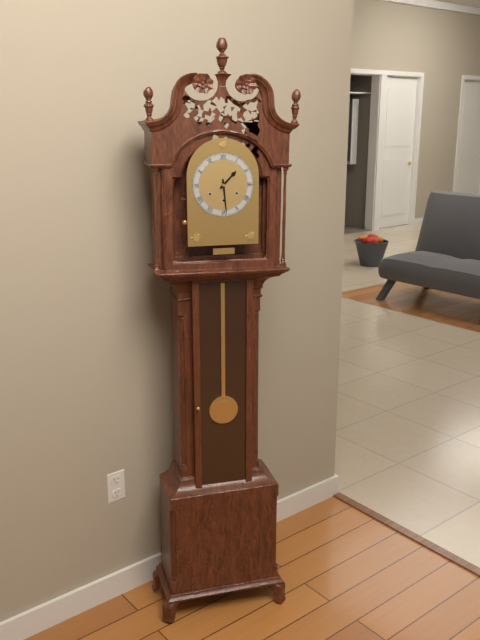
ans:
**1:29**
